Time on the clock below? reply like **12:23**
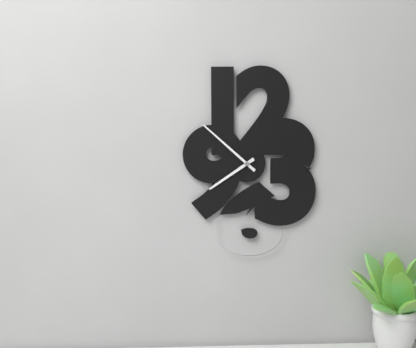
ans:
**7:52**
